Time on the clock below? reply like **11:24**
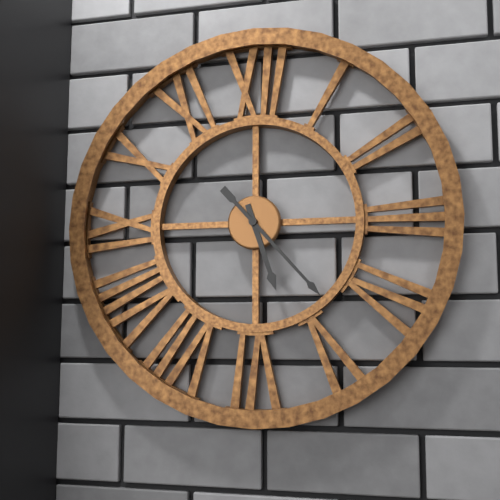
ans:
**5:23**
